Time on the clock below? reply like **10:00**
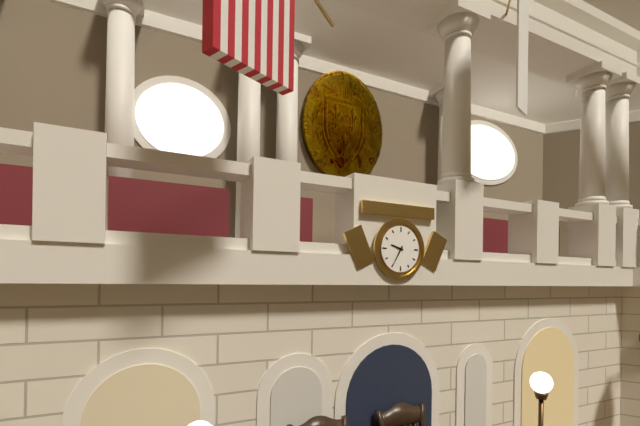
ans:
**9:35**
